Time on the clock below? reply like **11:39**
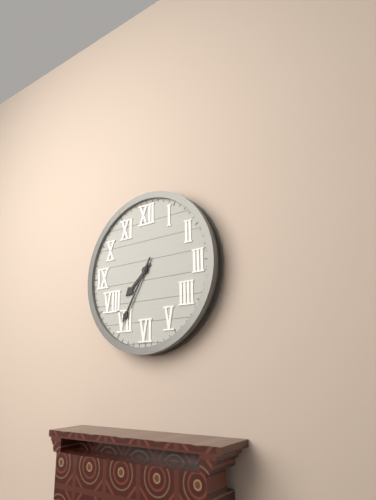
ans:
**7:35**
